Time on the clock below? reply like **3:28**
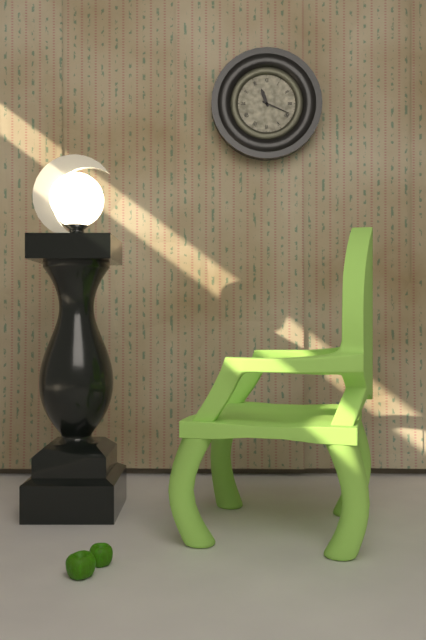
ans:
**11:19**
